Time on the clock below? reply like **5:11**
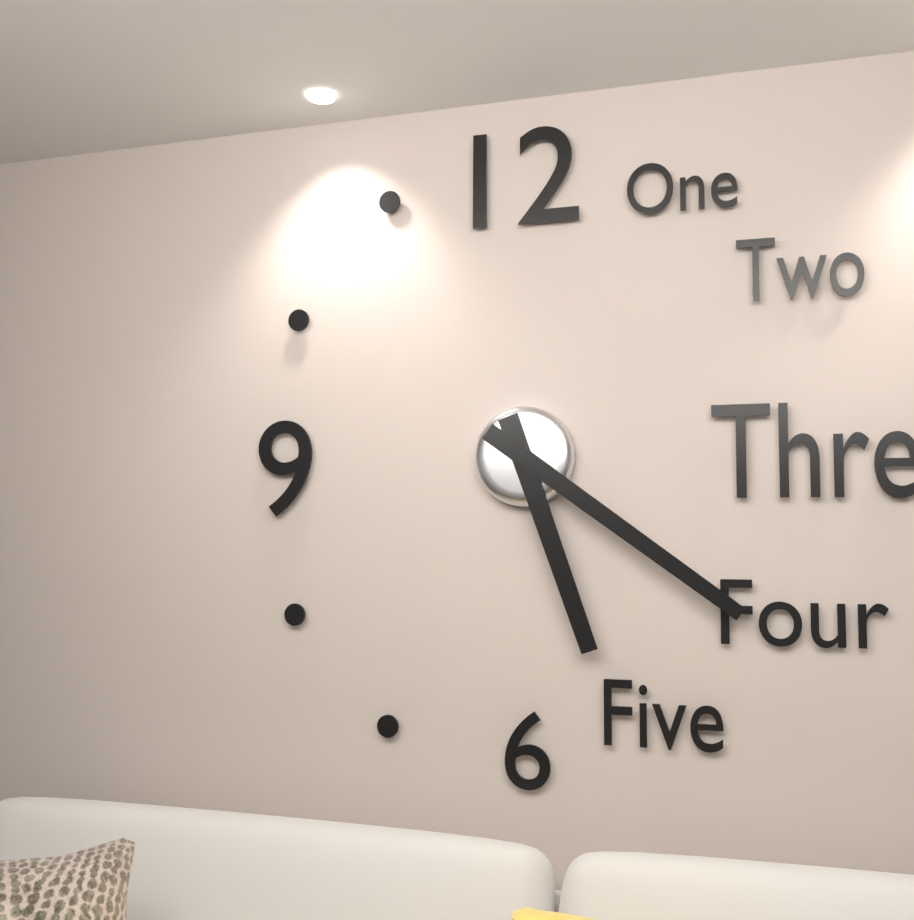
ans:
**5:21**
